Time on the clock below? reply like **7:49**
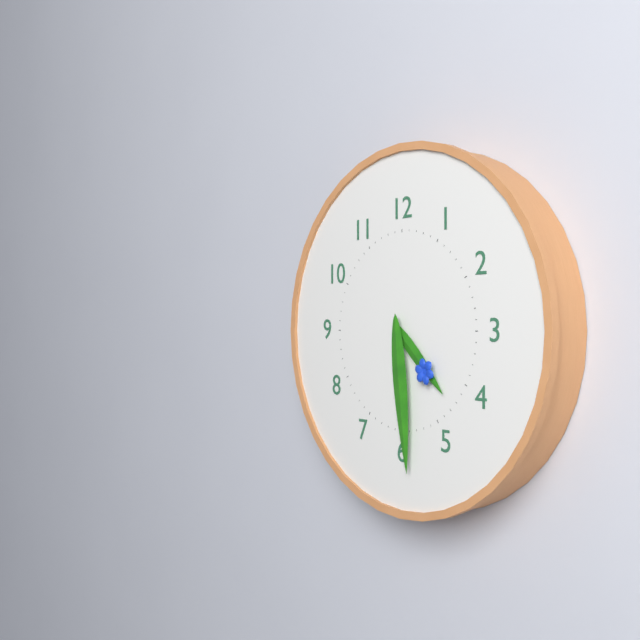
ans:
**4:29**
